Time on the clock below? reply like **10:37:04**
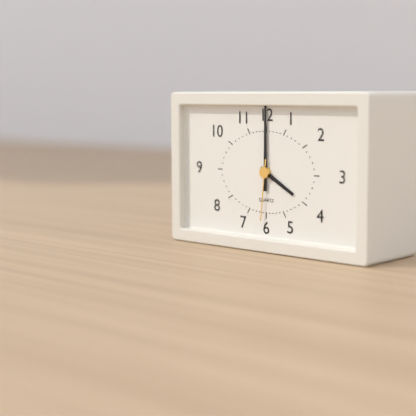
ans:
**4:00:31**
